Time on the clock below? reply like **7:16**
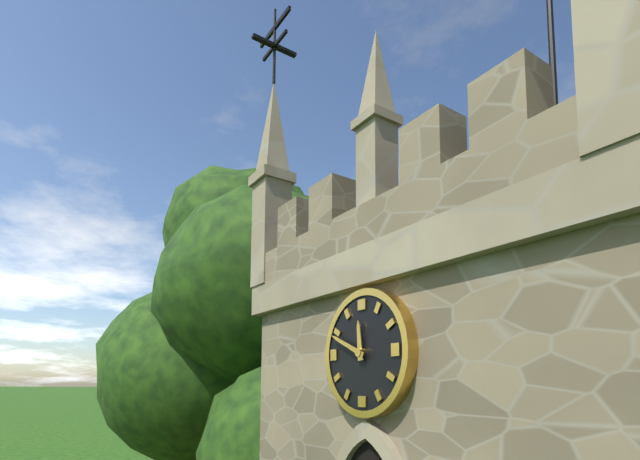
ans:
**11:49**
